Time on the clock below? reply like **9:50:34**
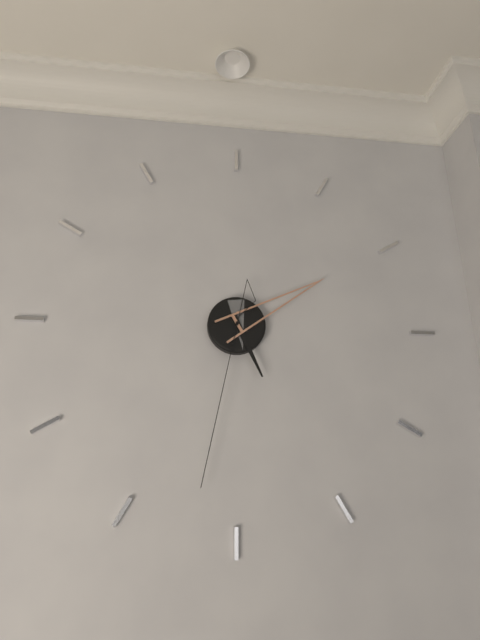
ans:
**5:10:32**
